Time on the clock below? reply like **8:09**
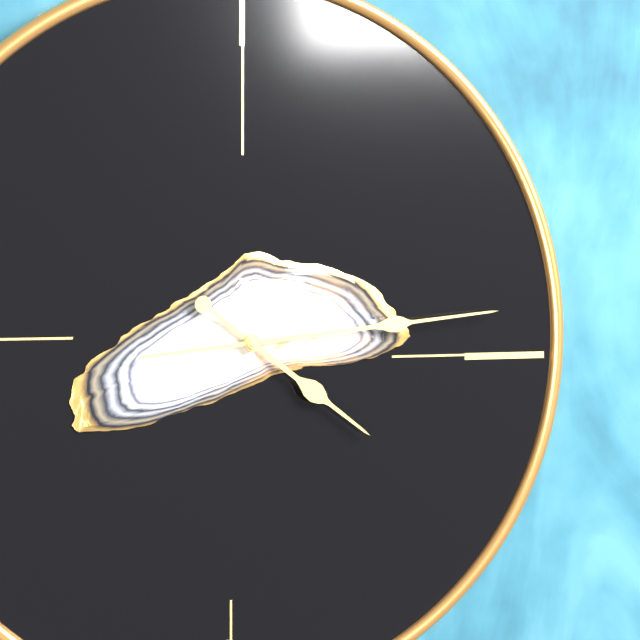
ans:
**4:14**
